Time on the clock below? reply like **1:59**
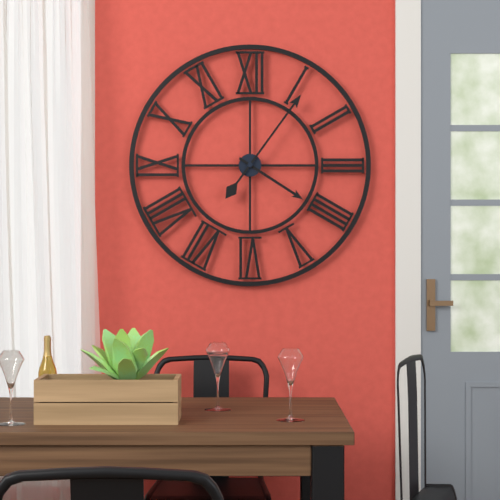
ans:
**4:06**
